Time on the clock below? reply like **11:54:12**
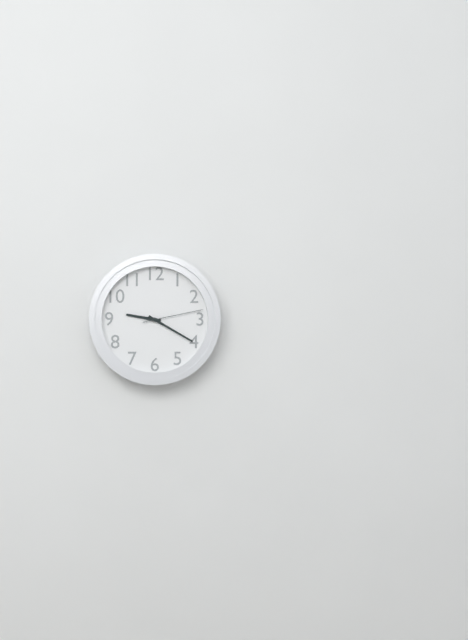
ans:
**9:20:13**
